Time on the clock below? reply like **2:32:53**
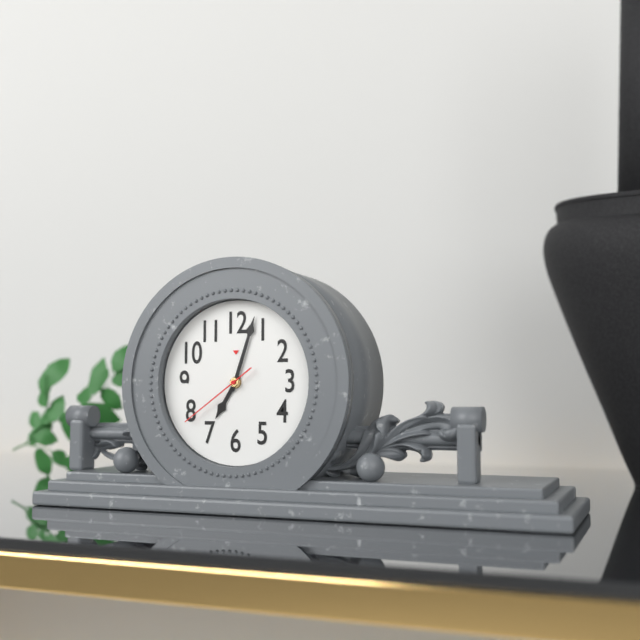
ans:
**7:03:39**
